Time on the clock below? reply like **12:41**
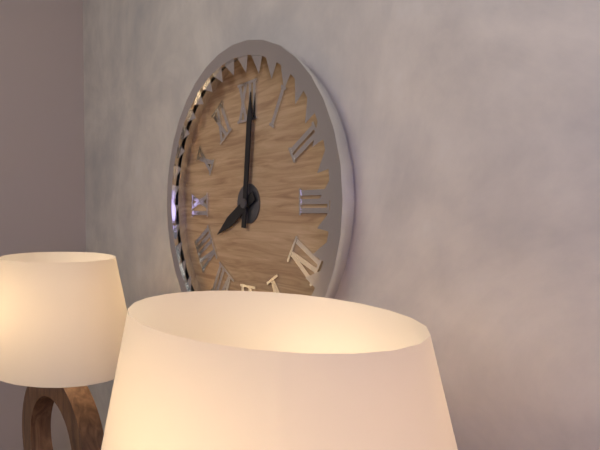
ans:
**8:01**
